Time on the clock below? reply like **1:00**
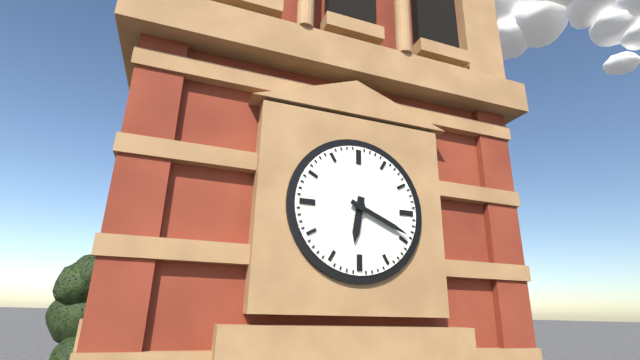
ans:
**6:19**
